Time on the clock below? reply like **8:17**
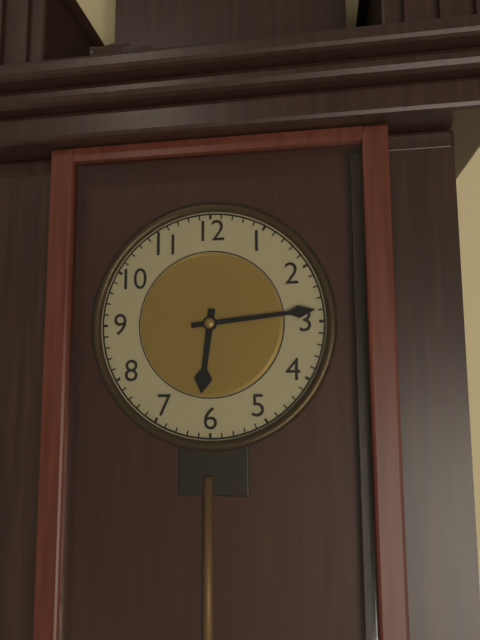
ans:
**6:14**
